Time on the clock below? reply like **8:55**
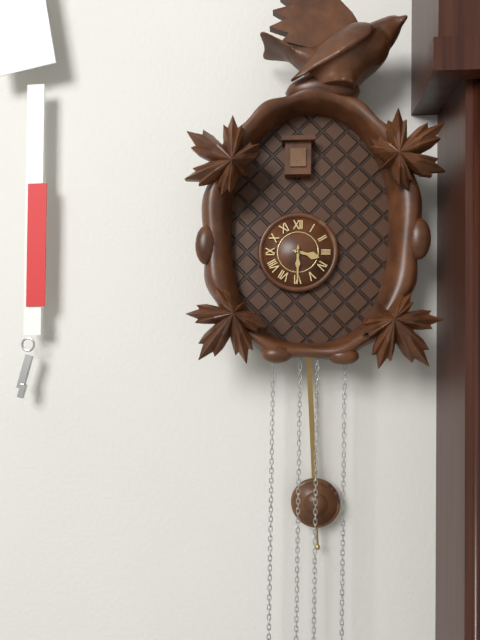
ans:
**3:30**
